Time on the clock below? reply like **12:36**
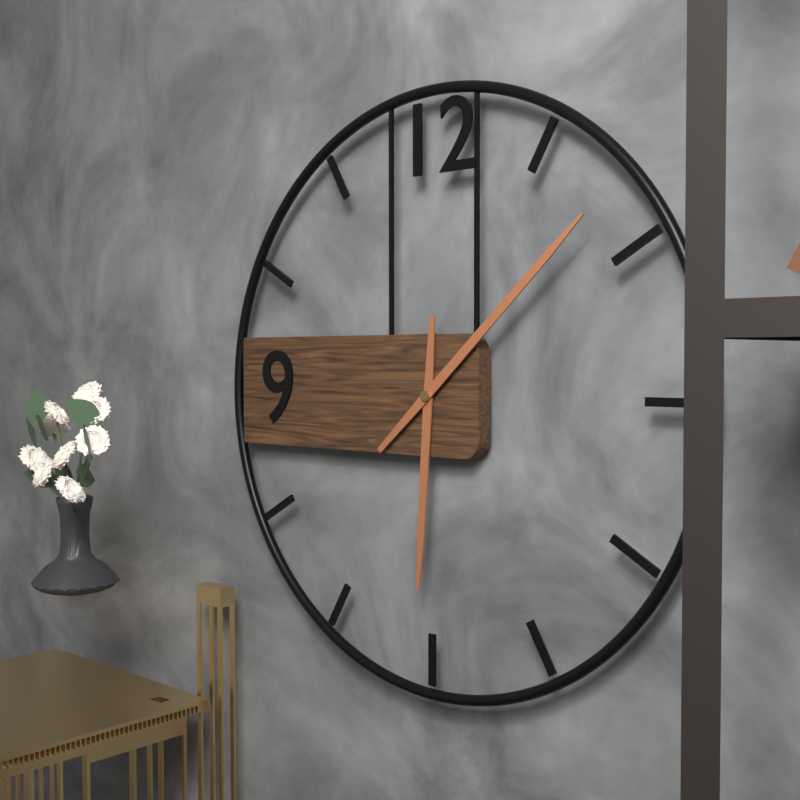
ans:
**6:08**
